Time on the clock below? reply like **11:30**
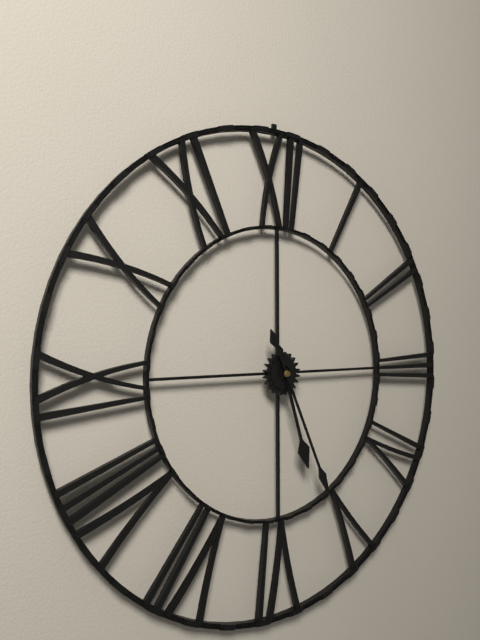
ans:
**5:26**
